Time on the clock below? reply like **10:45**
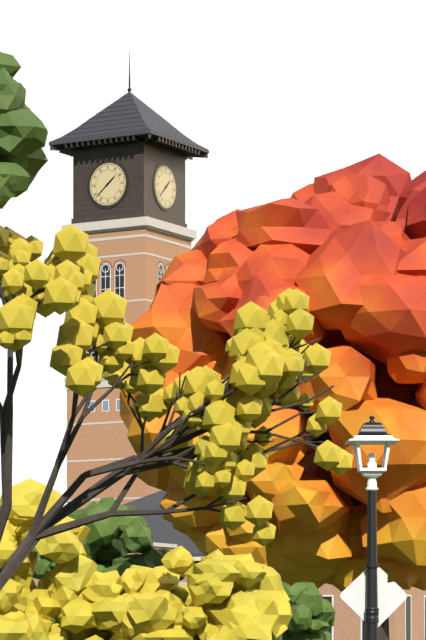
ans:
**1:38**
